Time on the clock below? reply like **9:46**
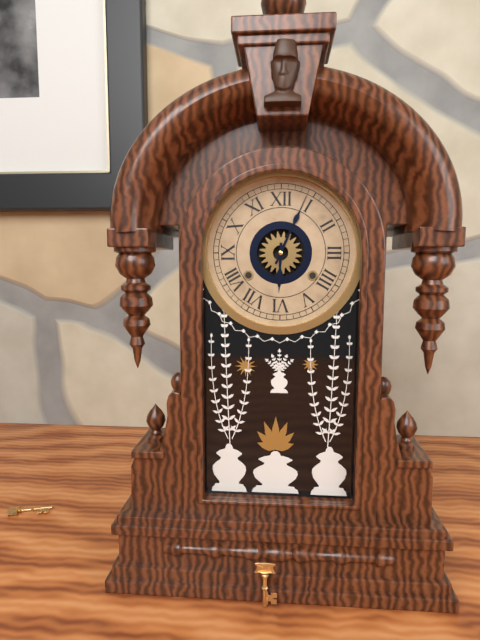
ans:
**6:04**
